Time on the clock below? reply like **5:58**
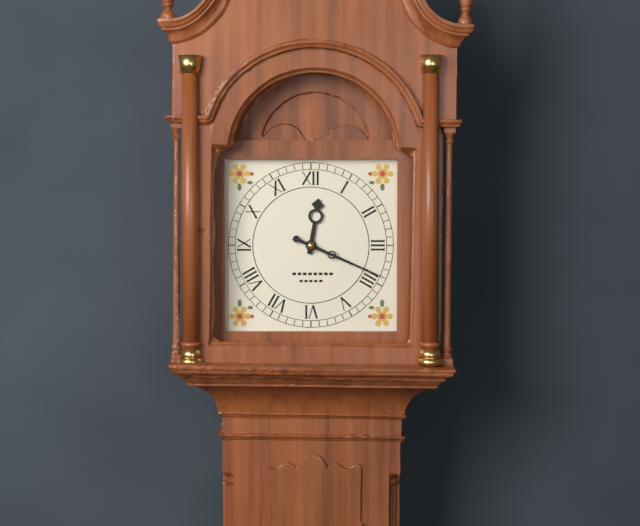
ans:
**12:19**
